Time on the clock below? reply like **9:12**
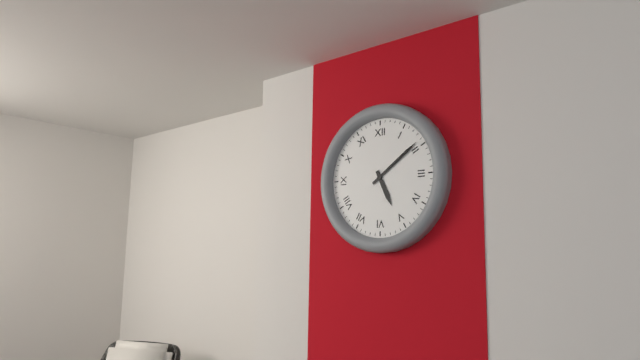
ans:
**5:09**
